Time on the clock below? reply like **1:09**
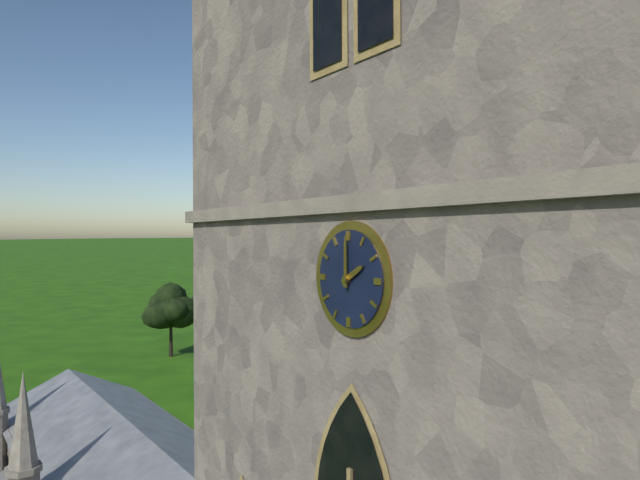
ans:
**2:00**
